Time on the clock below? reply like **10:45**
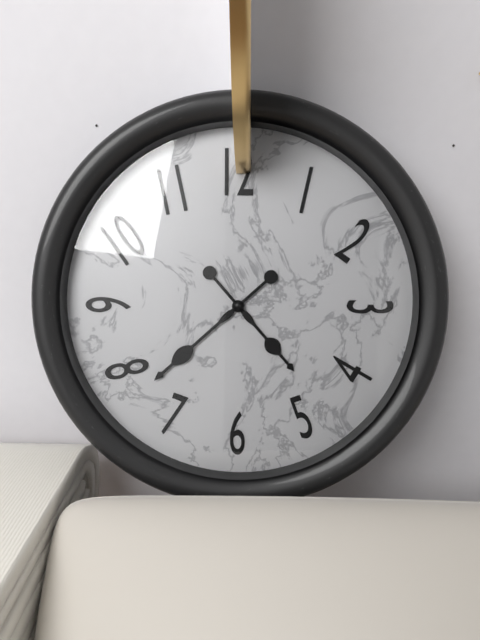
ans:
**4:38**
